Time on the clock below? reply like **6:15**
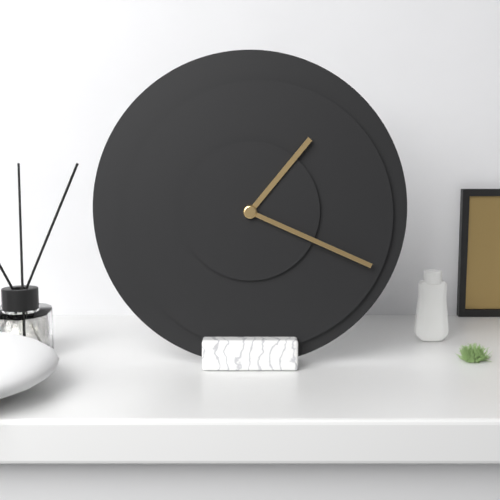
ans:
**1:19**
